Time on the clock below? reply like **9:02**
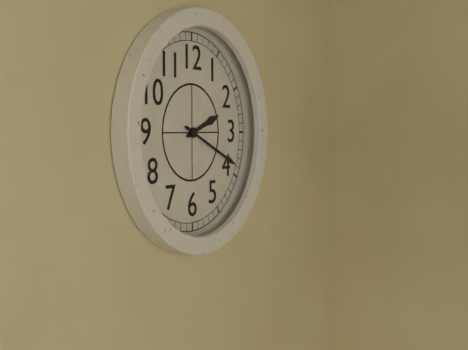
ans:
**2:19**
